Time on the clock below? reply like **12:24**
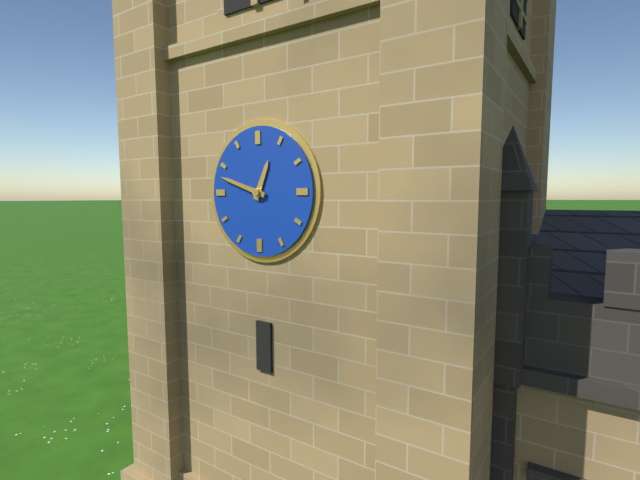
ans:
**12:48**
